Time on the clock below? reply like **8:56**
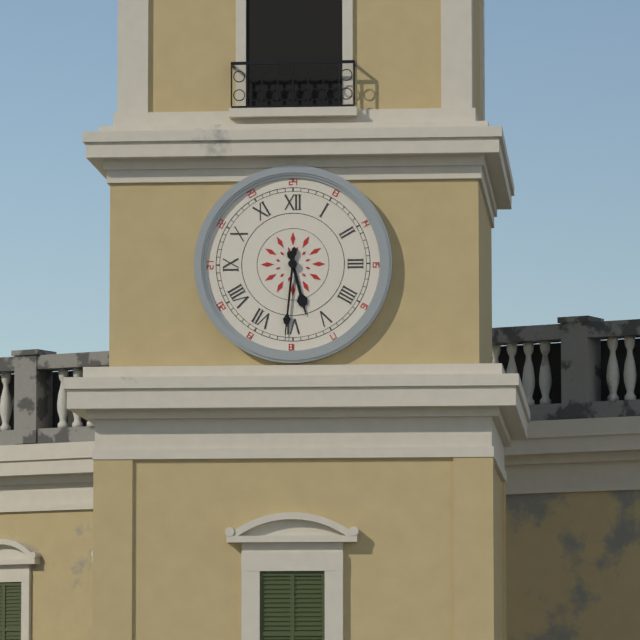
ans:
**5:31**
